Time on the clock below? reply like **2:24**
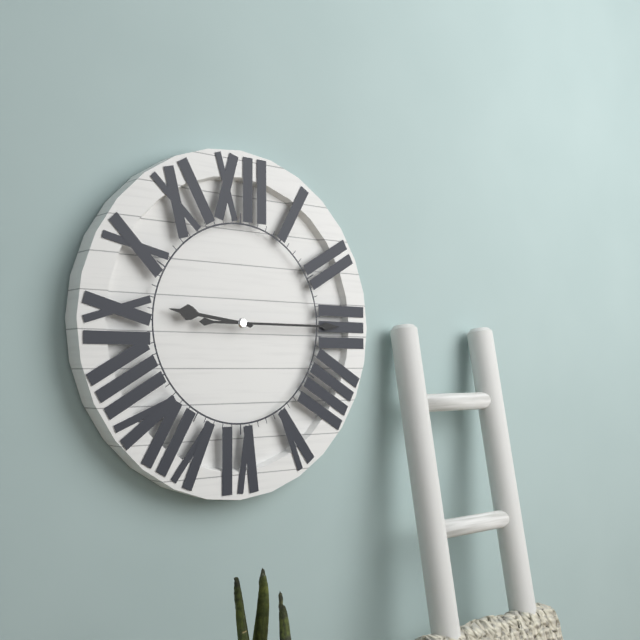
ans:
**9:15**
